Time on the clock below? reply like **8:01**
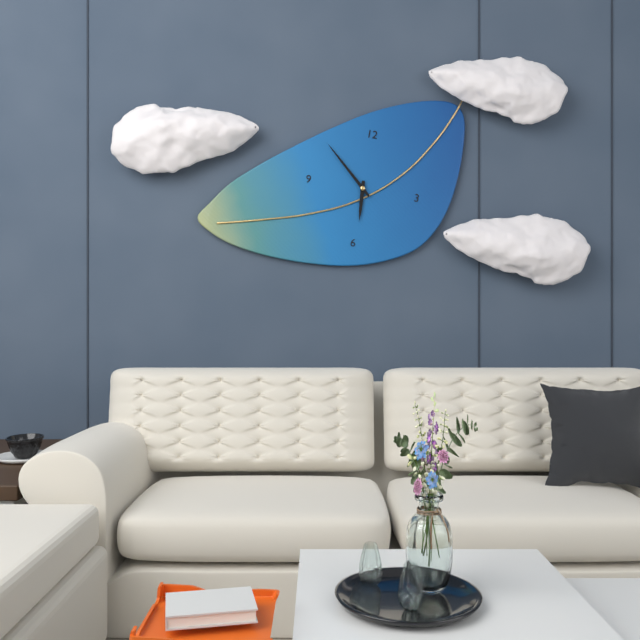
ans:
**5:52**
